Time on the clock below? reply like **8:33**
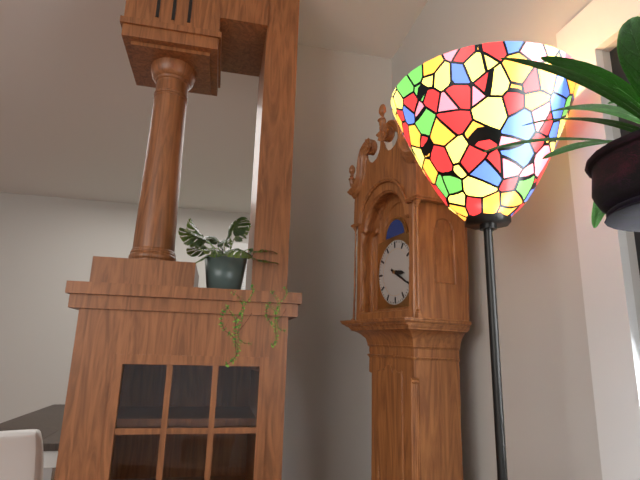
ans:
**3:20**
